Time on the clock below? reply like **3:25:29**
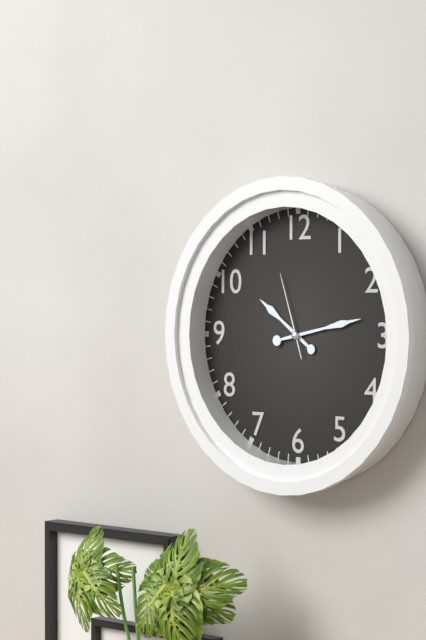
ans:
**10:13:57**
